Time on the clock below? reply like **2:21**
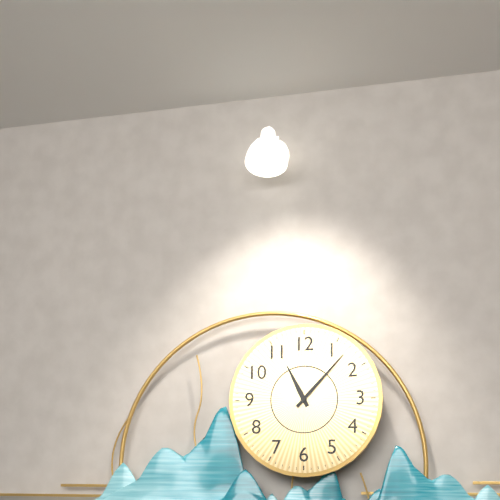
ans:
**11:07**
